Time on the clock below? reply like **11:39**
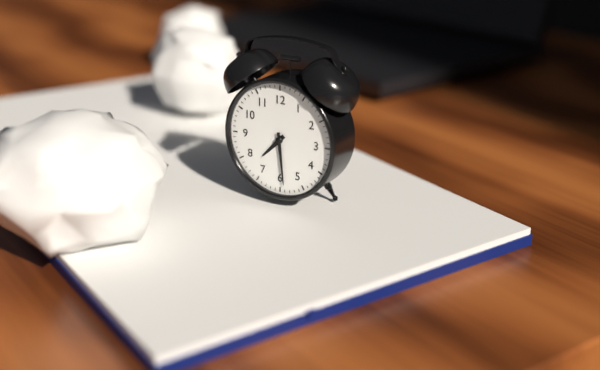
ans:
**7:29**
